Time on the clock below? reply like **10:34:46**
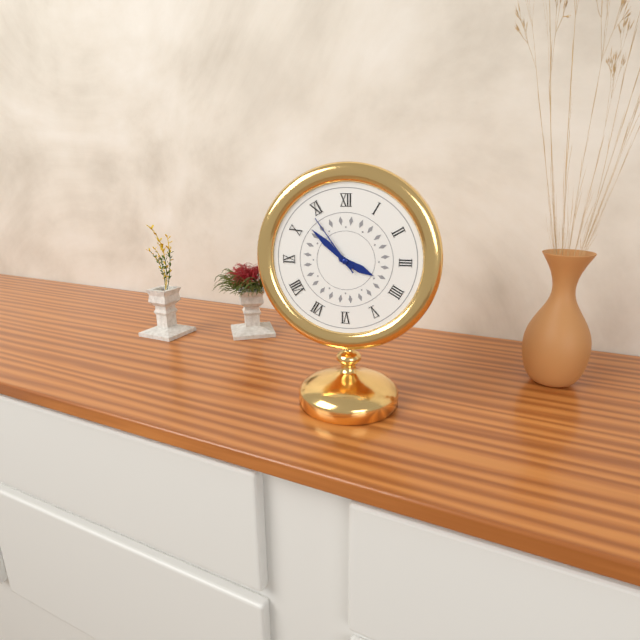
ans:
**3:52:54**
